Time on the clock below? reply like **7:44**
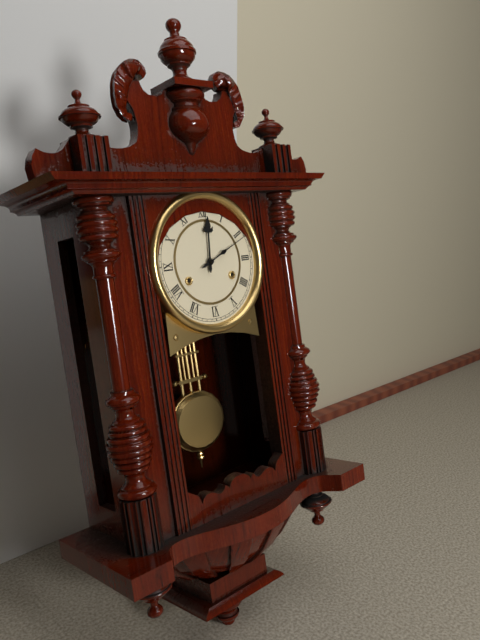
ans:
**12:11**
